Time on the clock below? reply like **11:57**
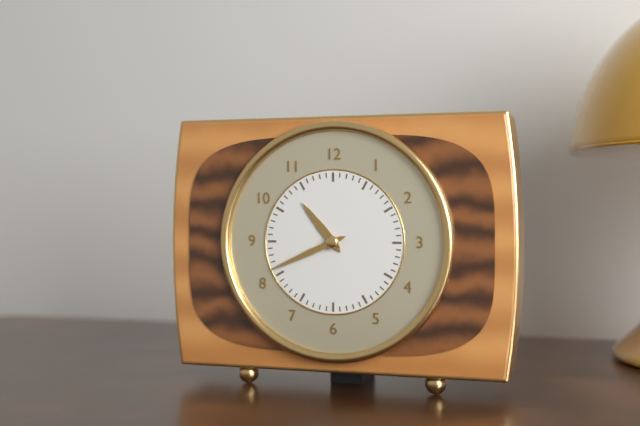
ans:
**10:41**
